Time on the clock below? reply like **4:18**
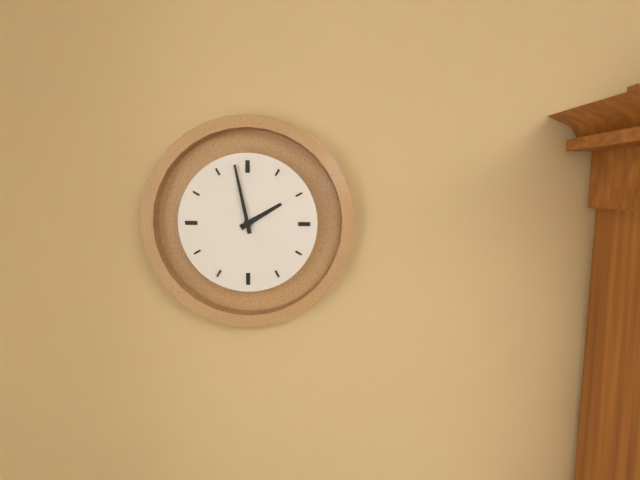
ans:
**1:58**
